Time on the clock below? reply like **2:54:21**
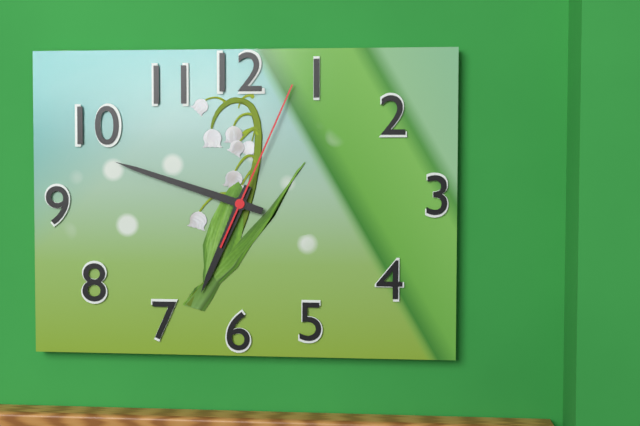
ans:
**6:48:04**
